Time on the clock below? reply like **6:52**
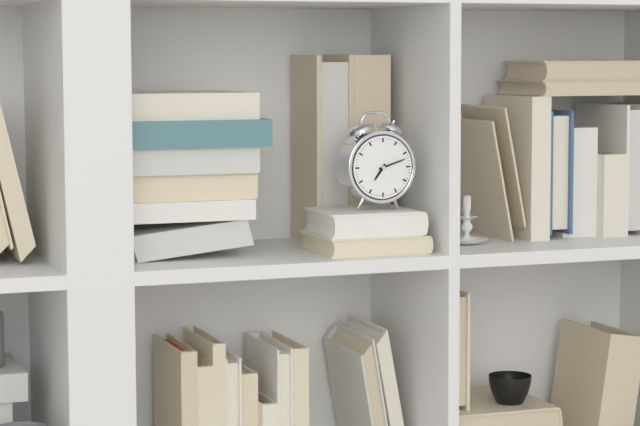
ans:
**7:12**
